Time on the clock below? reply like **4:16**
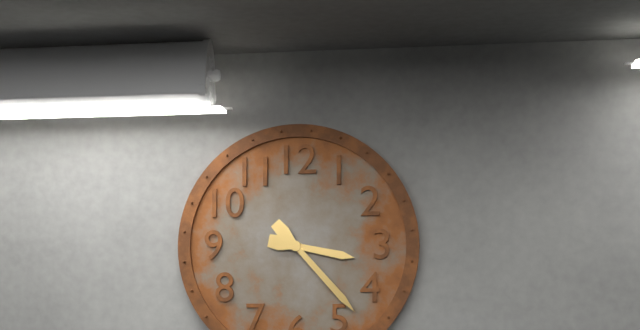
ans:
**3:23**
